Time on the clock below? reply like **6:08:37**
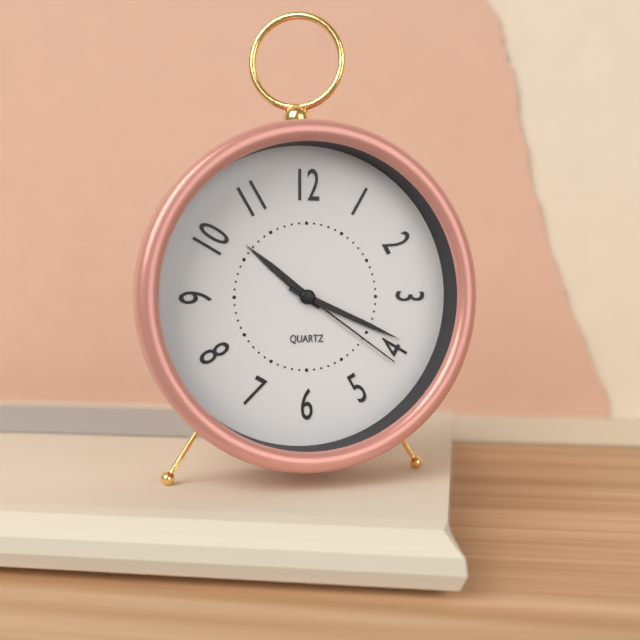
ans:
**10:19:21**
